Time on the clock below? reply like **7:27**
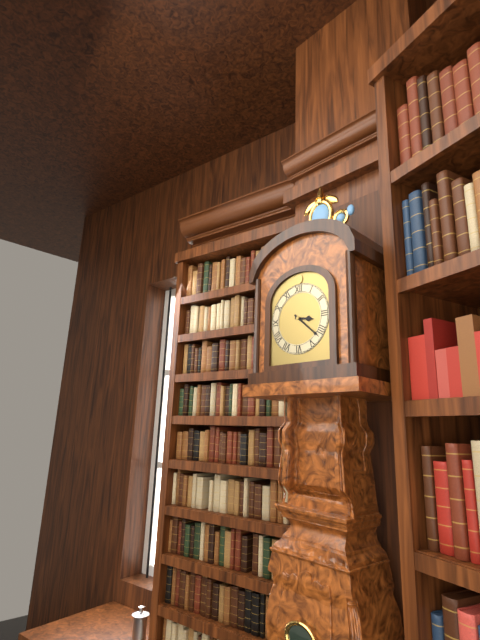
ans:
**3:22**
